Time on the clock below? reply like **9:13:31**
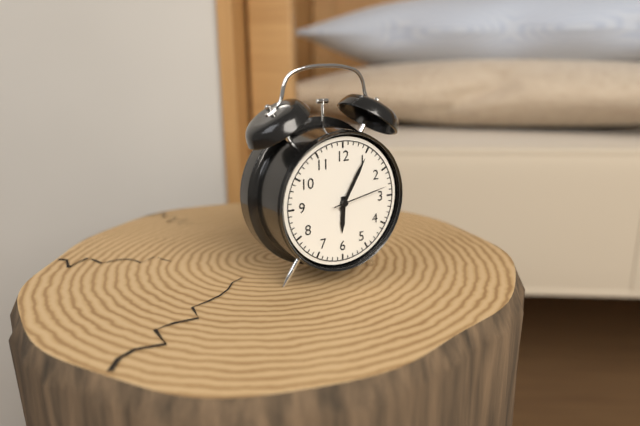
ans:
**6:05:13**
